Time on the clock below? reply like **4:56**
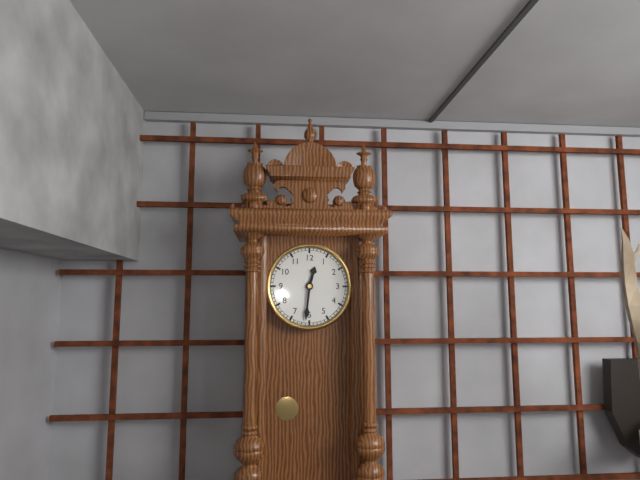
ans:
**12:31**
